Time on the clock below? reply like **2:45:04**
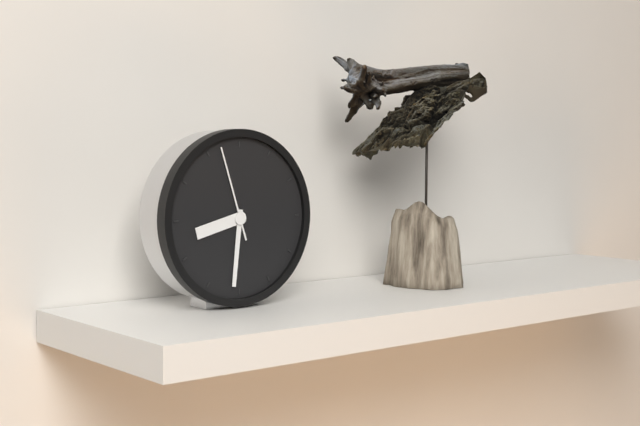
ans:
**8:31:57**
